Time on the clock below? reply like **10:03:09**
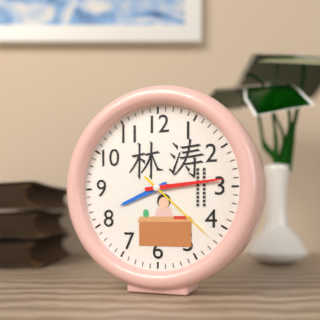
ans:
**8:14:22**
